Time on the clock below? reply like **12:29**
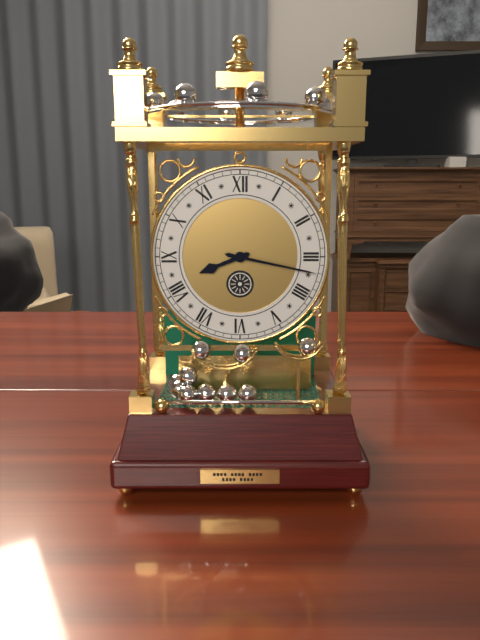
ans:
**8:17**
